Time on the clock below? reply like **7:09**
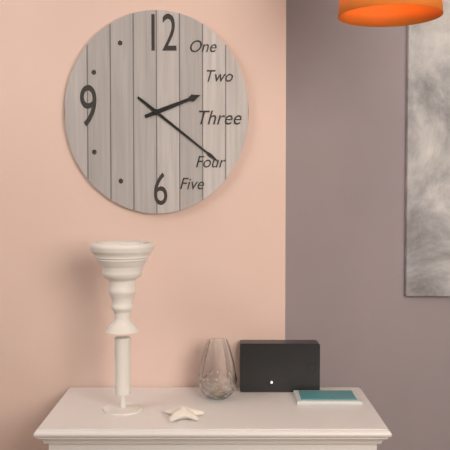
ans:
**2:21**
